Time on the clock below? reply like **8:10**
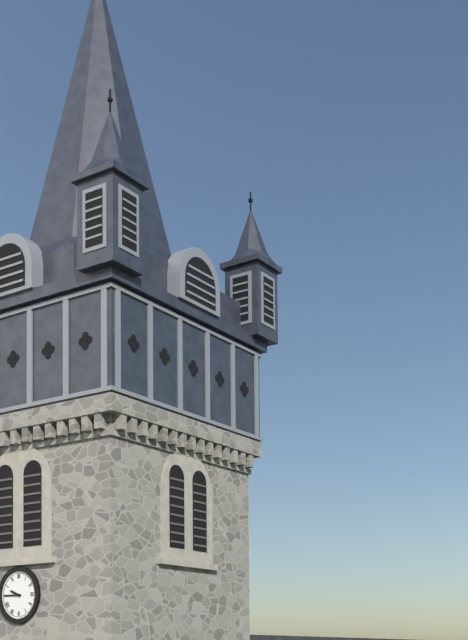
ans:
**9:45**
